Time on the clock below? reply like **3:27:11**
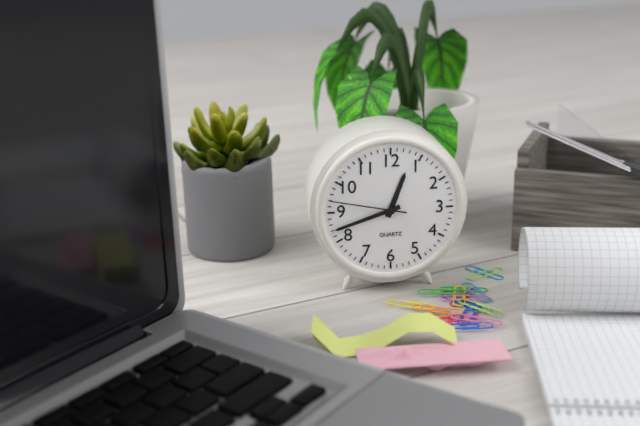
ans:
**12:42:47**
